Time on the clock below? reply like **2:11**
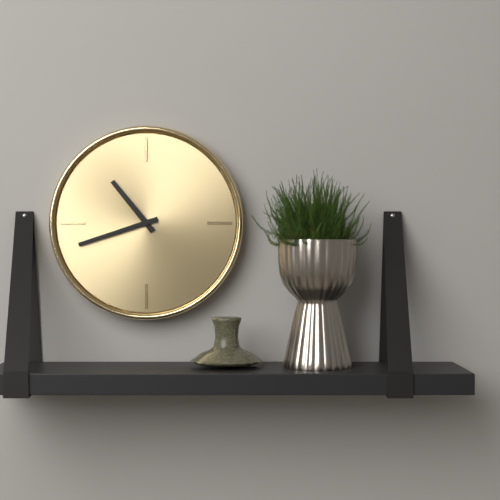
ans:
**10:42**
